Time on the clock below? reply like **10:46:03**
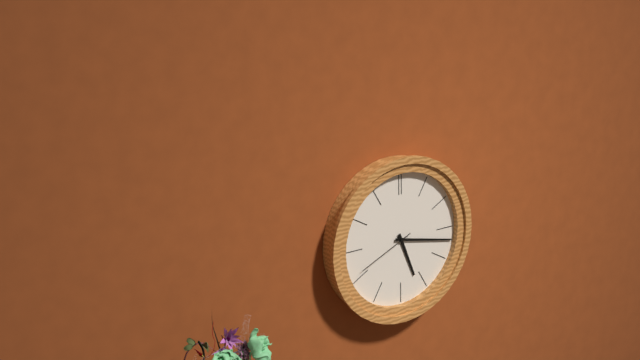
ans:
**5:17:41**
